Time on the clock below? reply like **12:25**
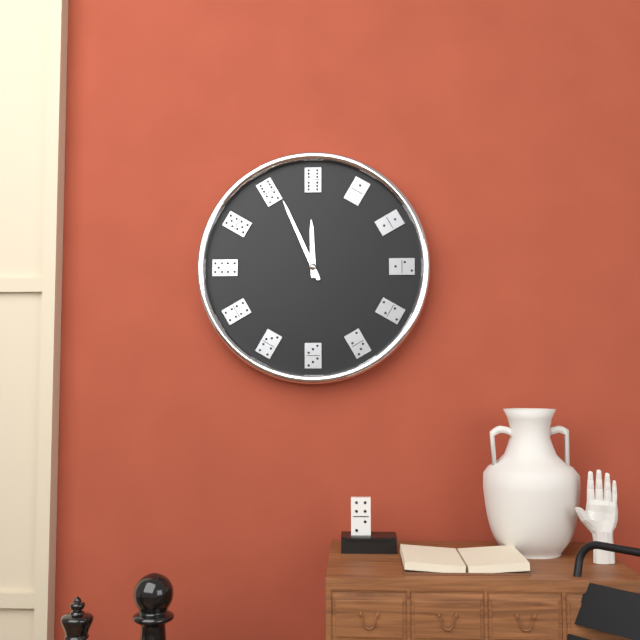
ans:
**11:56**
